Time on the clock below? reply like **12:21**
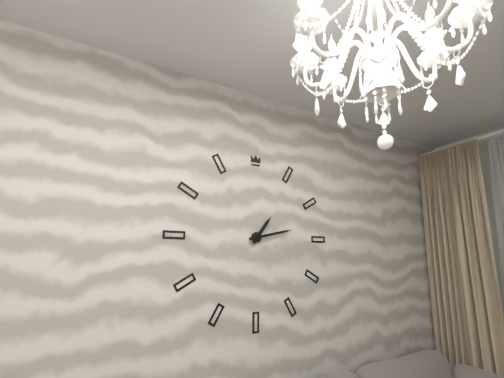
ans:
**1:13**
